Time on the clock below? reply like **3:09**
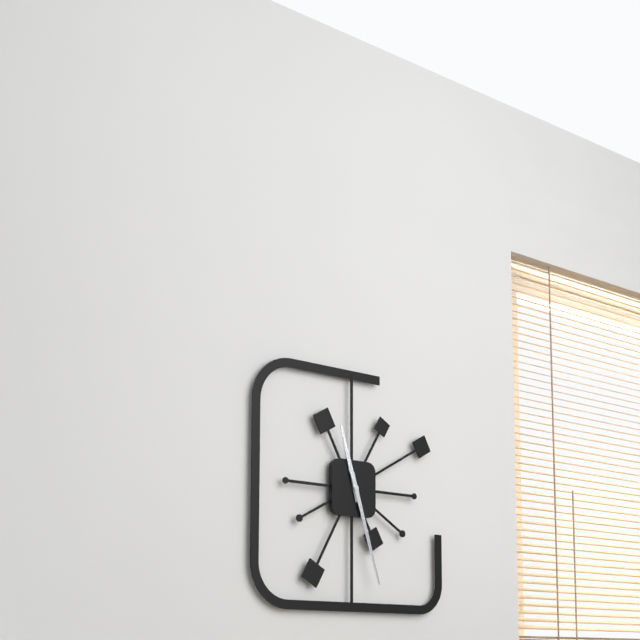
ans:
**11:27**
